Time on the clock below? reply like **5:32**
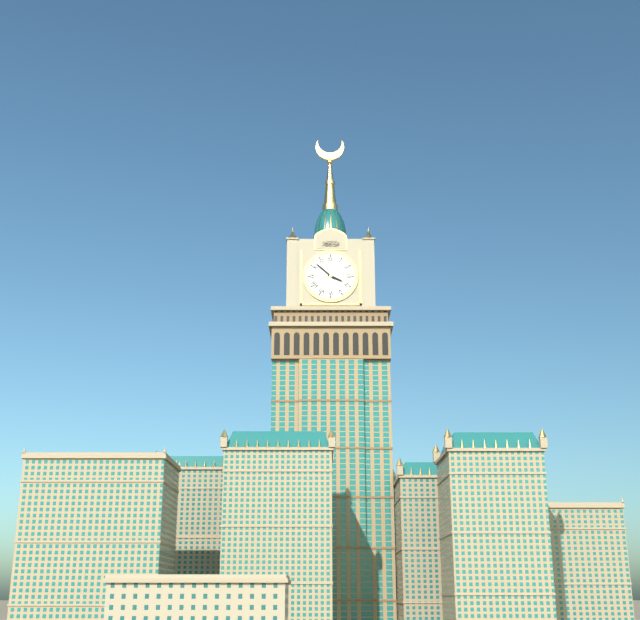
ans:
**3:52**
